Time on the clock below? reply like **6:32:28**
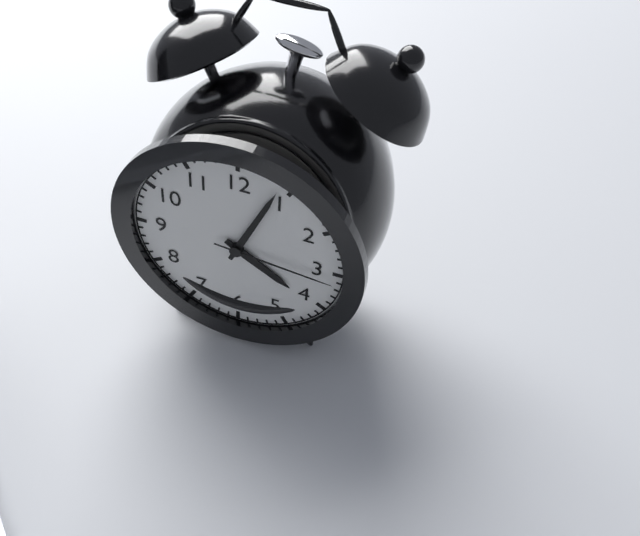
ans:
**4:04:16**
